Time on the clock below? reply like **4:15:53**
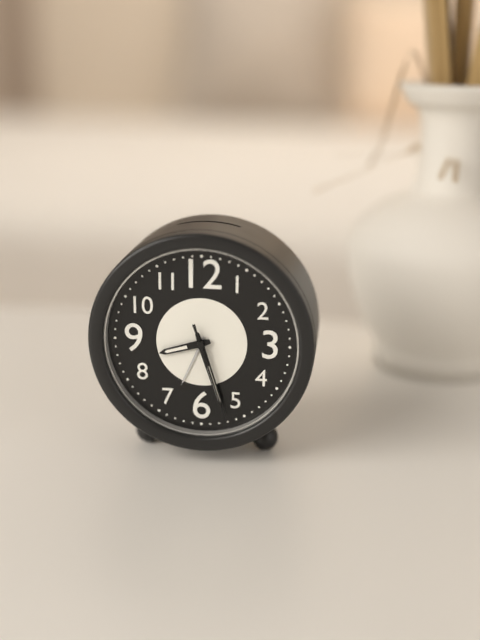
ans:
**8:27:27**
